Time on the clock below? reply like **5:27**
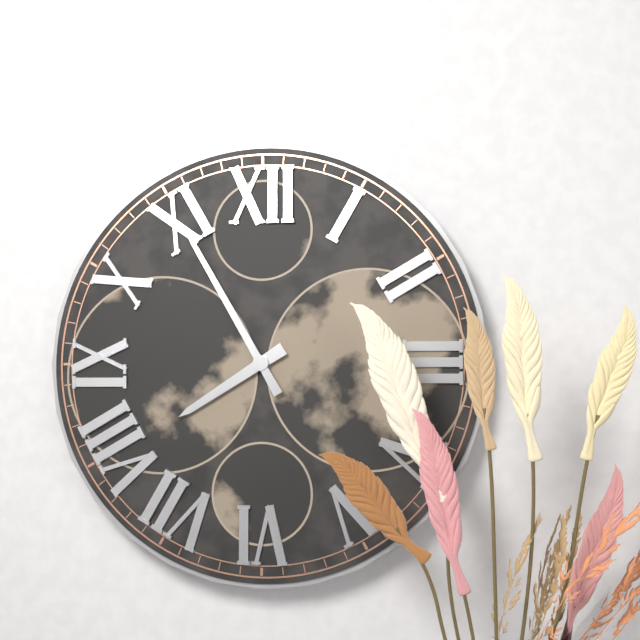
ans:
**7:55**
